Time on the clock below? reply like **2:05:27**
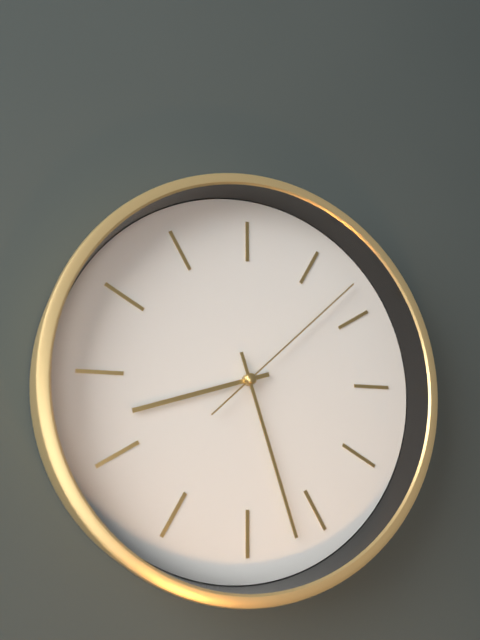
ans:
**8:27:08**
